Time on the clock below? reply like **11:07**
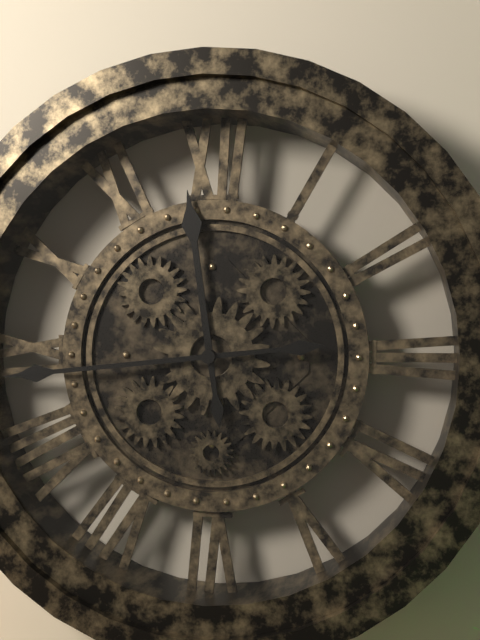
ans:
**11:44**
